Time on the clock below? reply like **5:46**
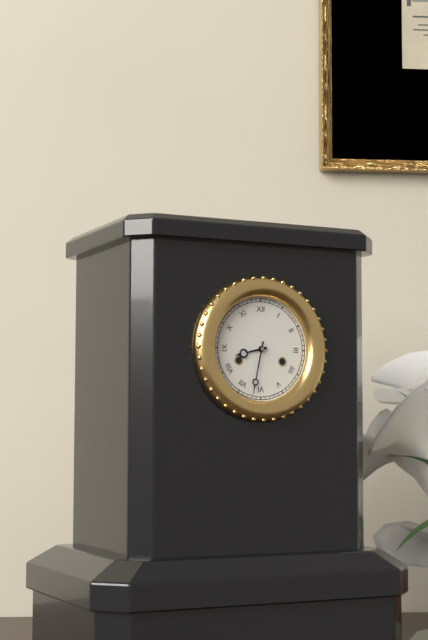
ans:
**8:32**
